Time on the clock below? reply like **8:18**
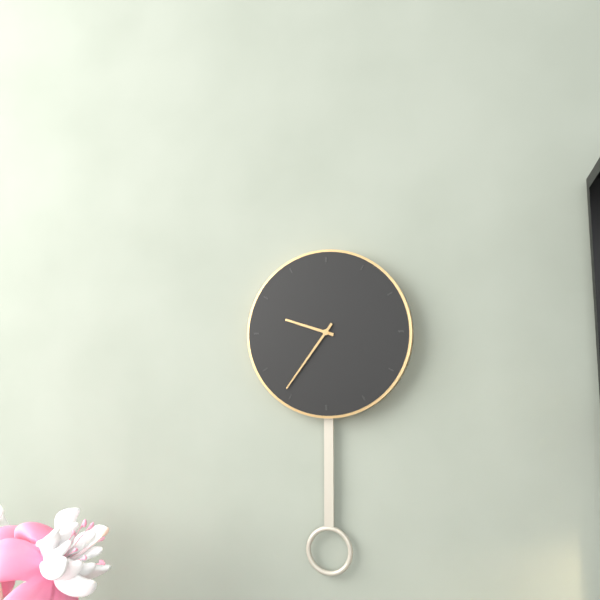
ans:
**9:36**
